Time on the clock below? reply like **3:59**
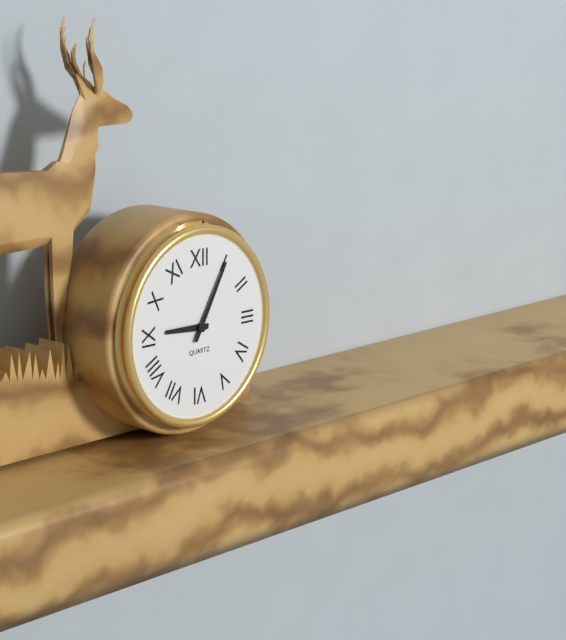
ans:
**9:05**
